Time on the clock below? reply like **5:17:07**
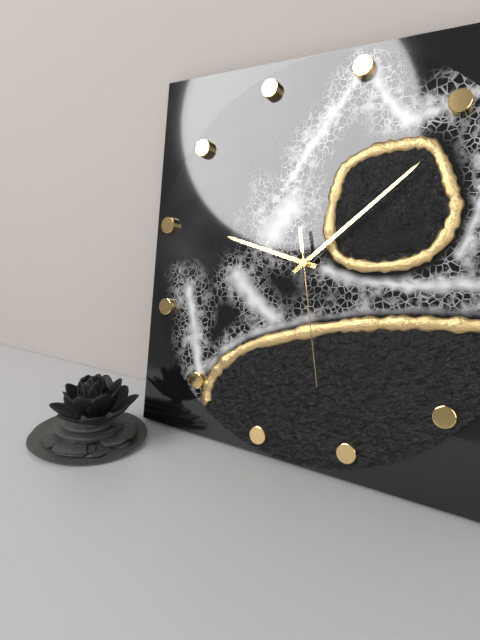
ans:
**9:06:26**
